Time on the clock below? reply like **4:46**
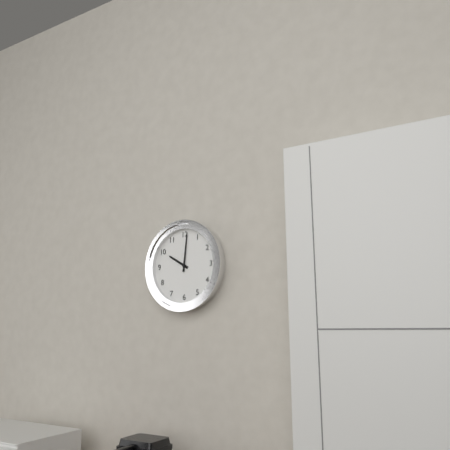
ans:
**10:01**
